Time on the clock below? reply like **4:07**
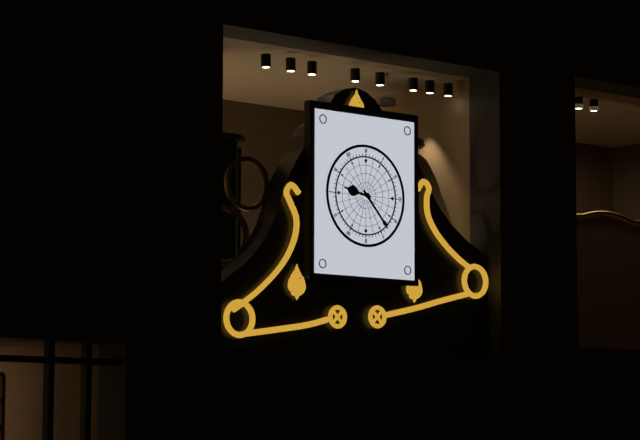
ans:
**9:23**
